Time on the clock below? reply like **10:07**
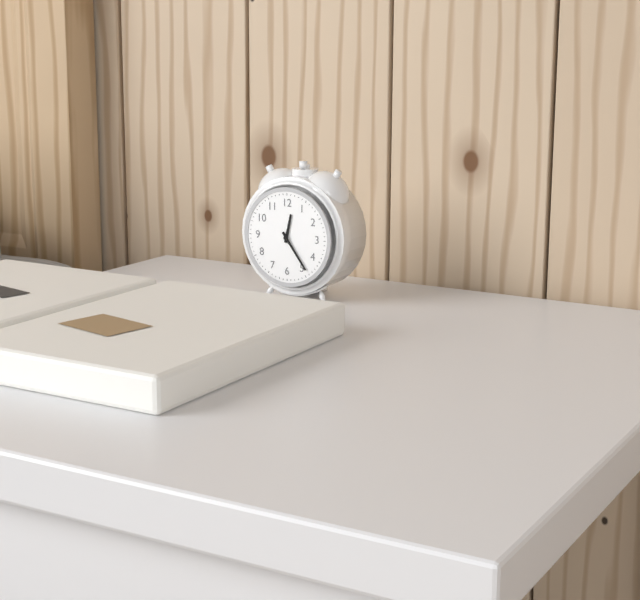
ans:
**12:24**
